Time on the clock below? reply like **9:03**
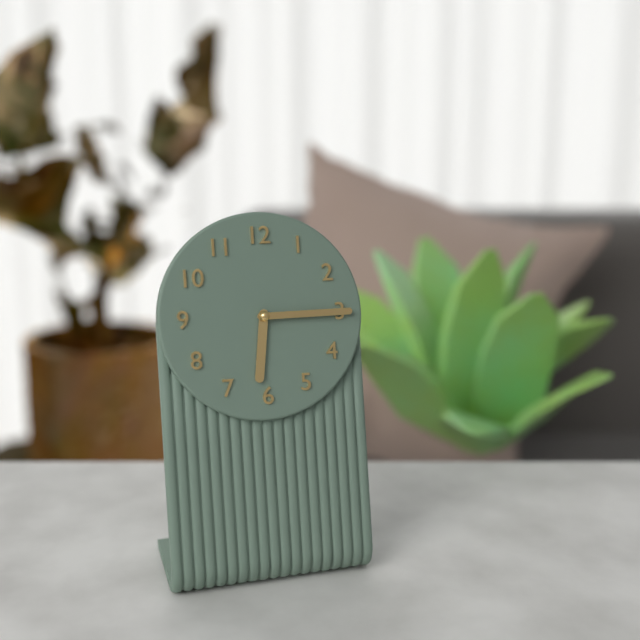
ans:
**6:15**
